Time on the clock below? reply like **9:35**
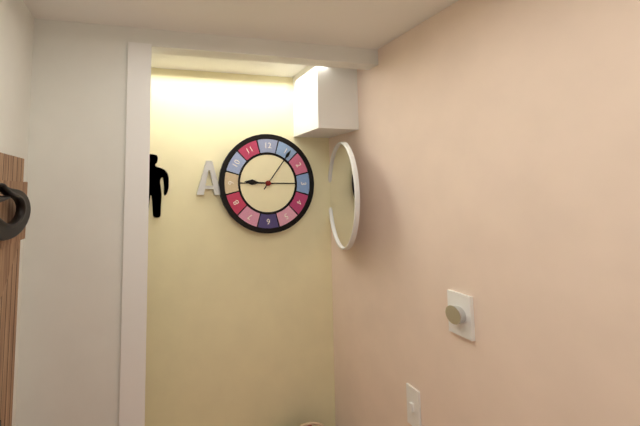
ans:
**9:06**
